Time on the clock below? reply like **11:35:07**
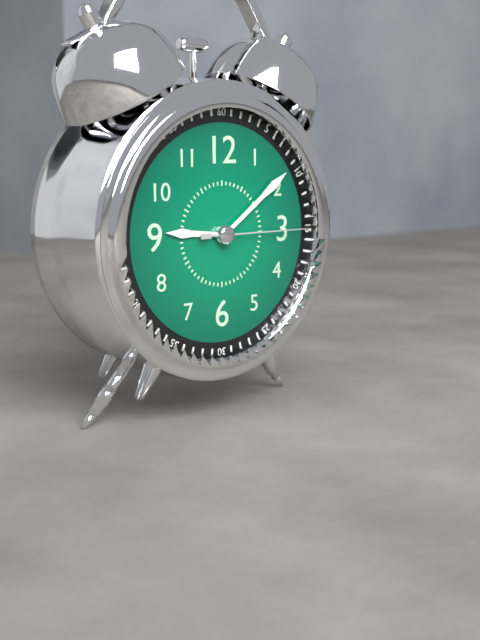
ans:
**9:09:15**
